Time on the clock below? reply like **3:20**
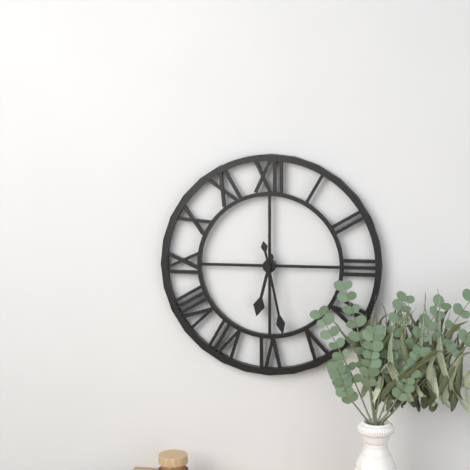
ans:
**6:28**
